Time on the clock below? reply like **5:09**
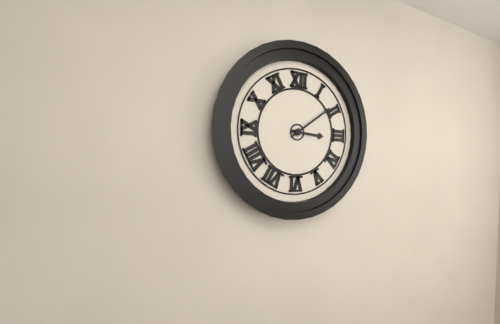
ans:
**3:09**
